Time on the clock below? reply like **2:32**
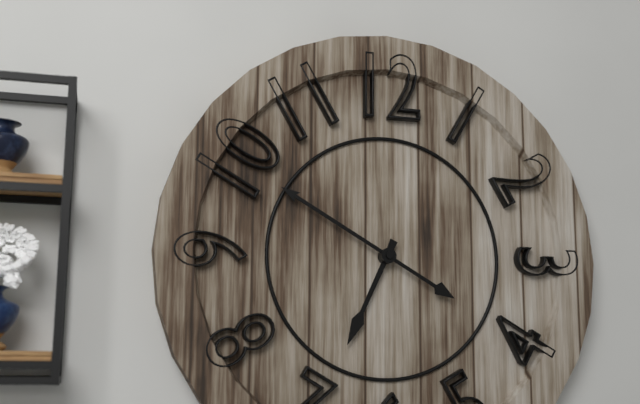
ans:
**6:50**
